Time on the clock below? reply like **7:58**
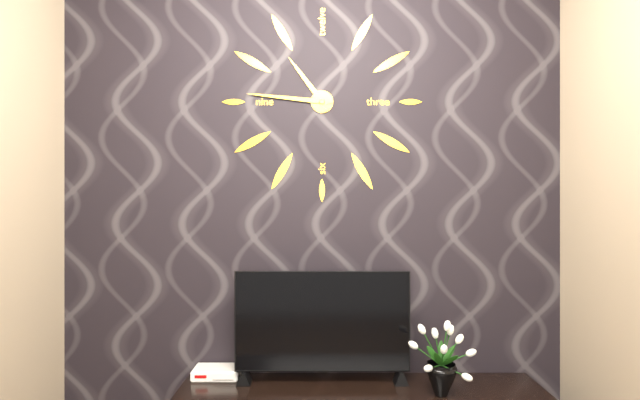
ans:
**10:46**
